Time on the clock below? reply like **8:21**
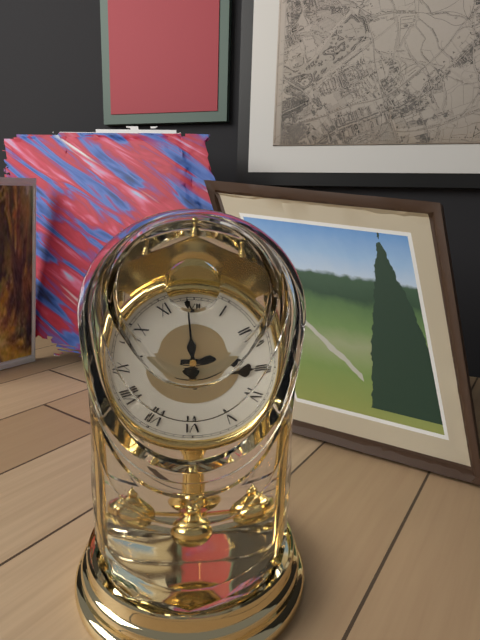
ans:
**2:59**
